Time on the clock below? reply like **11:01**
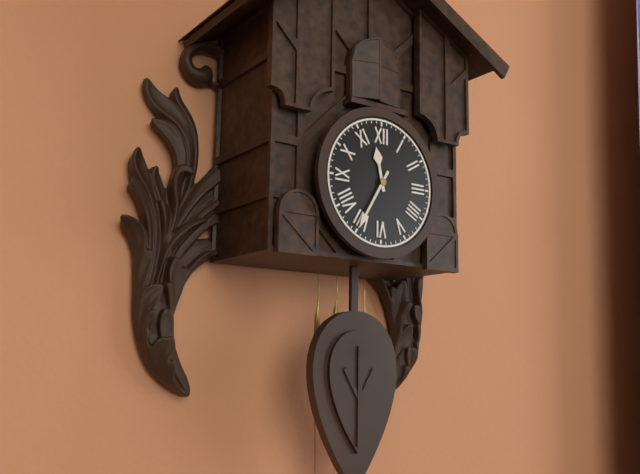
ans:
**11:35**
